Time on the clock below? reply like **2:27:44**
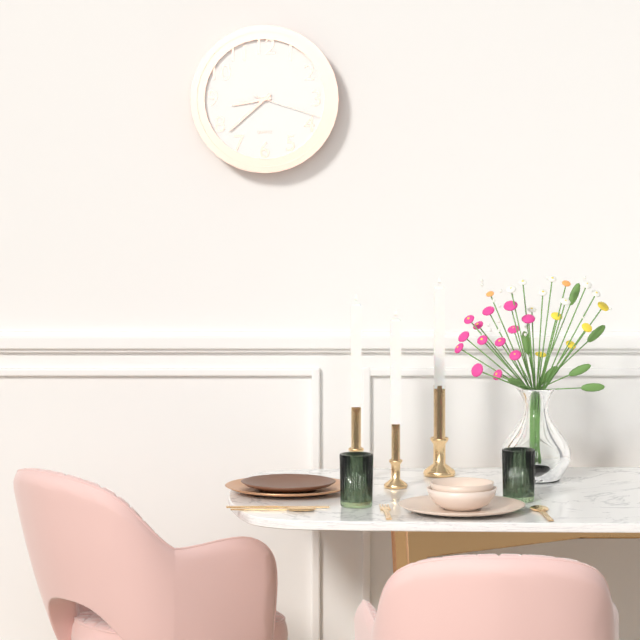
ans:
**8:38:18**
